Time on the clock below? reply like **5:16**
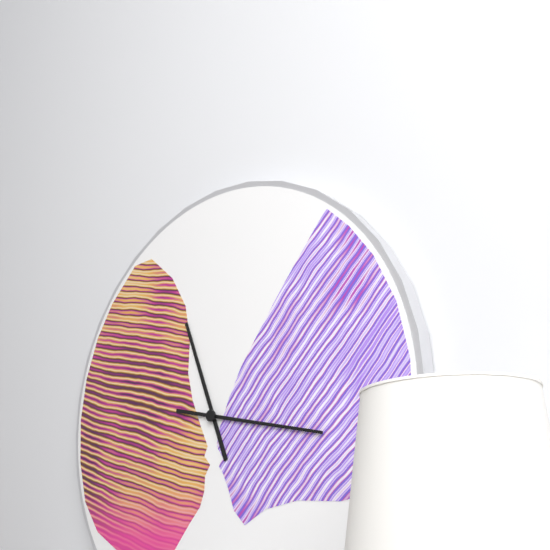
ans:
**11:17**
